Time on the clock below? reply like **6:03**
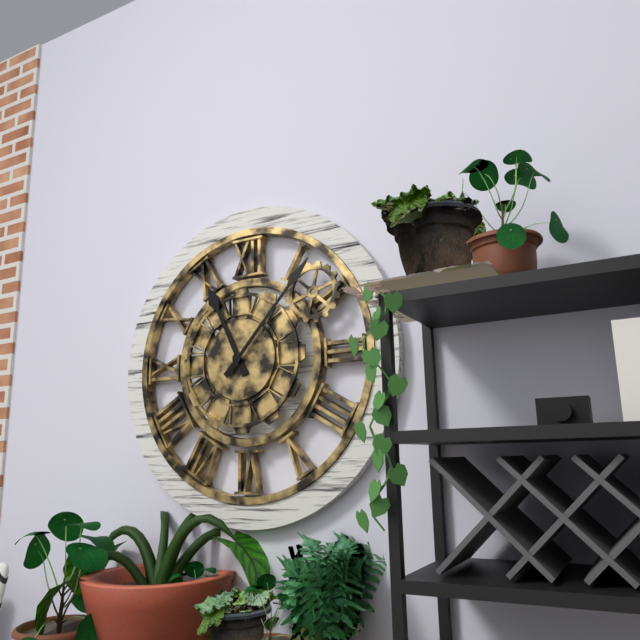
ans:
**11:07**
